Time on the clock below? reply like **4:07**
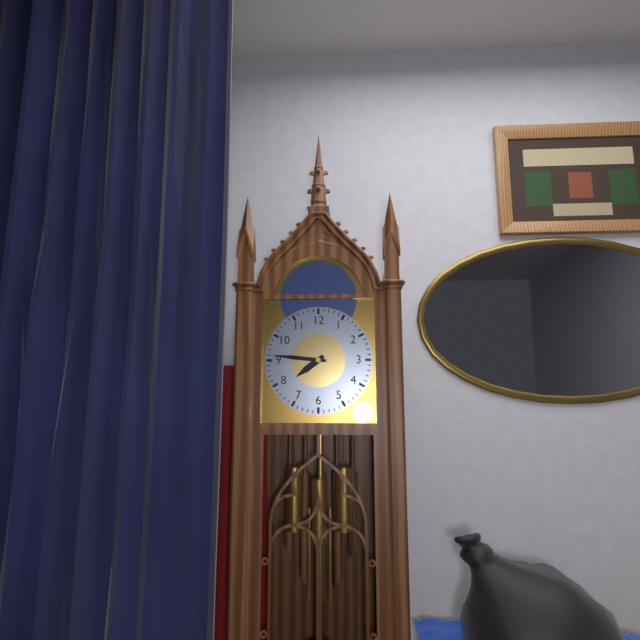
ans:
**7:46**
